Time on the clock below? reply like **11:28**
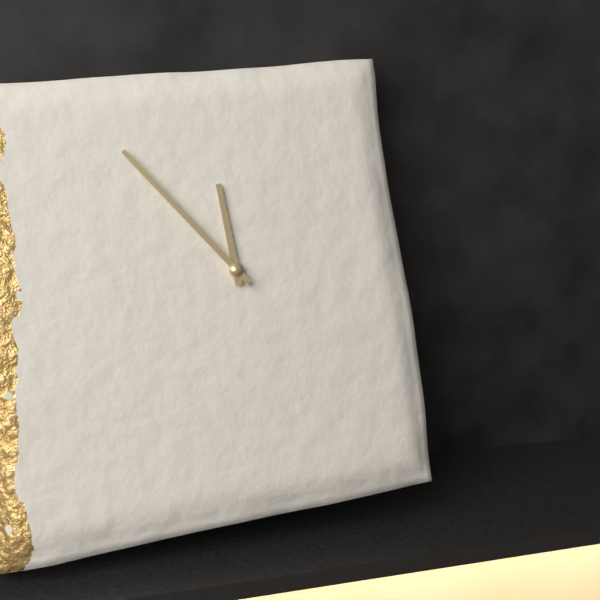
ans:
**11:54**
